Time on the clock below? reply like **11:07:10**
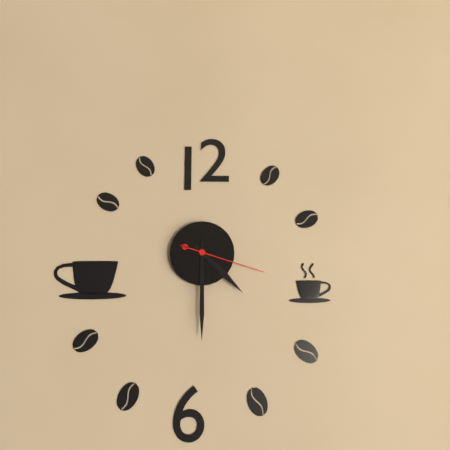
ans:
**4:30:18**
